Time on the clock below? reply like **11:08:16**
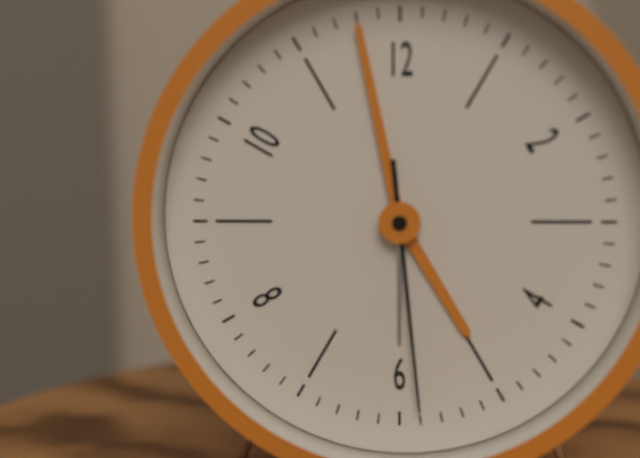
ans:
**4:58:29**
